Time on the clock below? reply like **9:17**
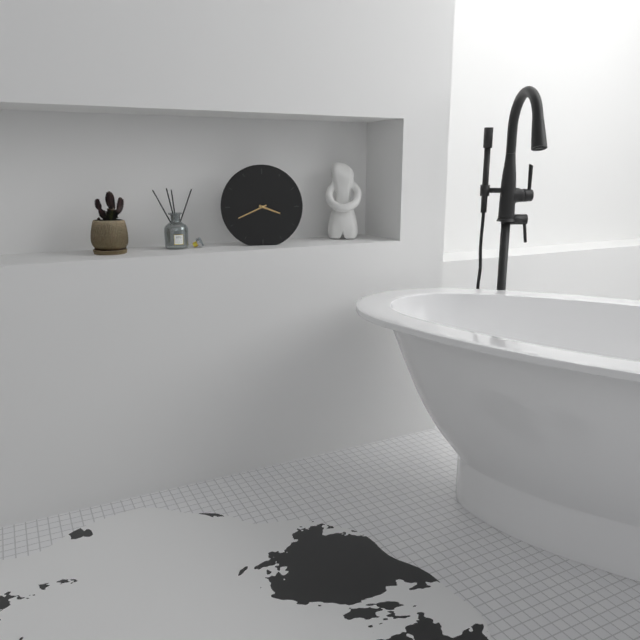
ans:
**3:41**
